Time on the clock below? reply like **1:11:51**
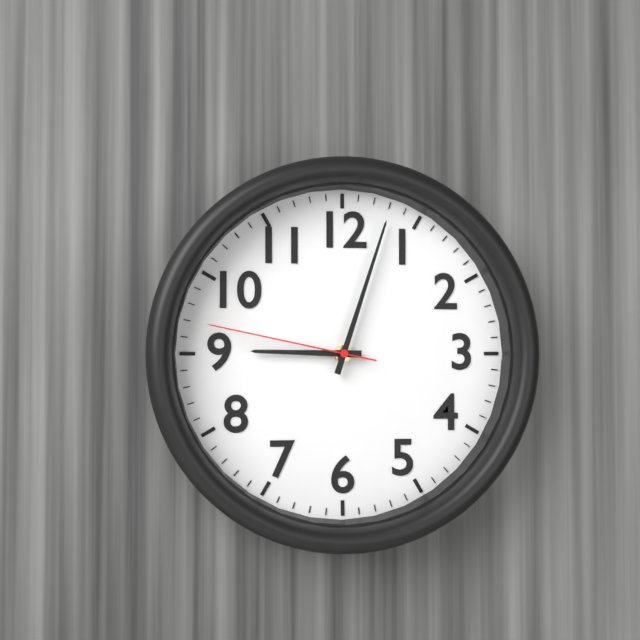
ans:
**9:03:47**
